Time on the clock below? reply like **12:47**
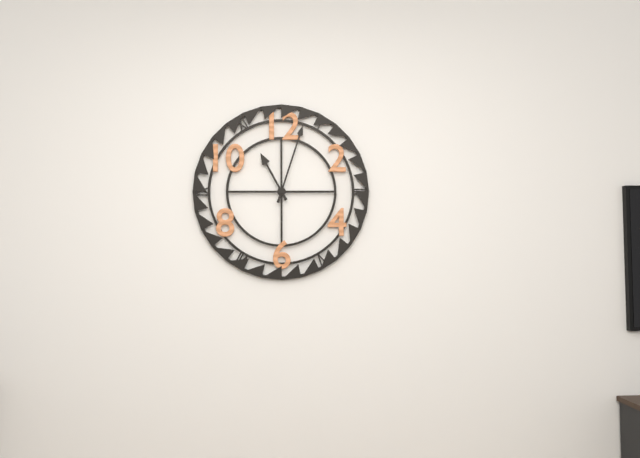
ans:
**11:03**
